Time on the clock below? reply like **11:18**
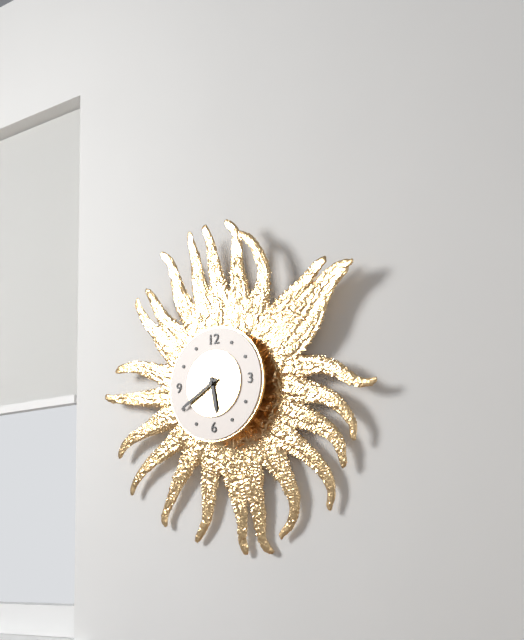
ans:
**5:40**
